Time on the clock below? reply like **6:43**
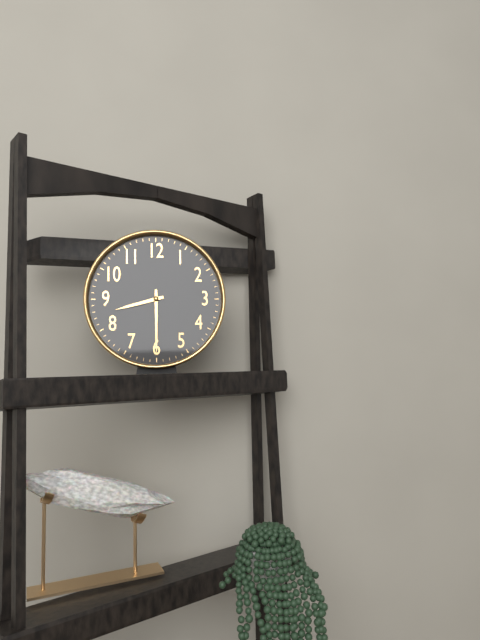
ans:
**8:30**
